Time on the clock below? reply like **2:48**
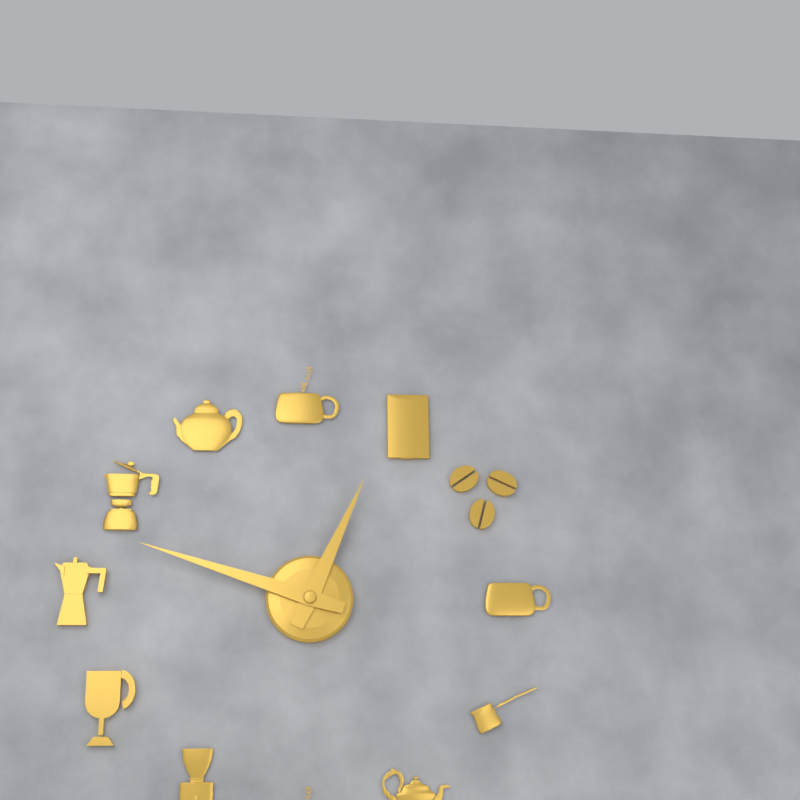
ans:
**12:48**
